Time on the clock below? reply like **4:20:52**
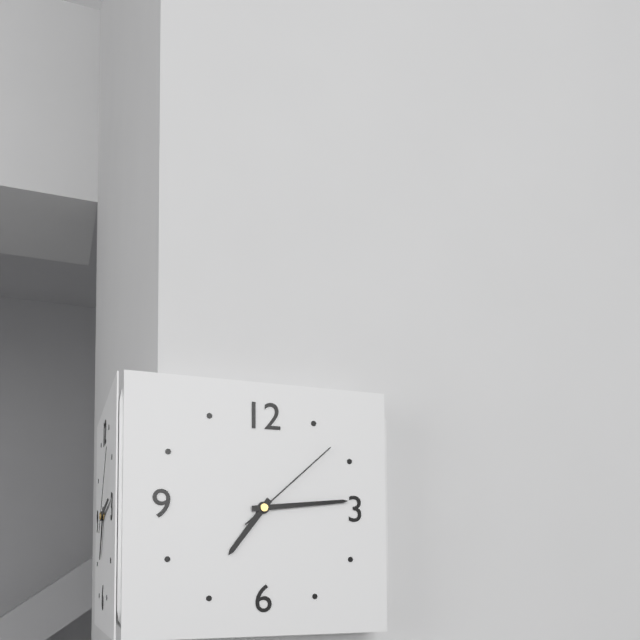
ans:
**7:14:08**
